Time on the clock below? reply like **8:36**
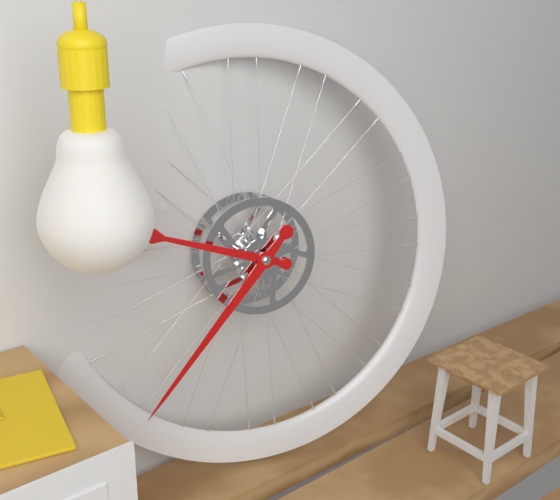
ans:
**9:37**
